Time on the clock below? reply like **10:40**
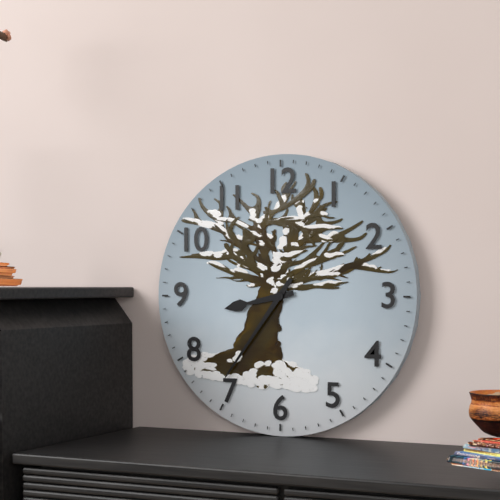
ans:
**8:36**
